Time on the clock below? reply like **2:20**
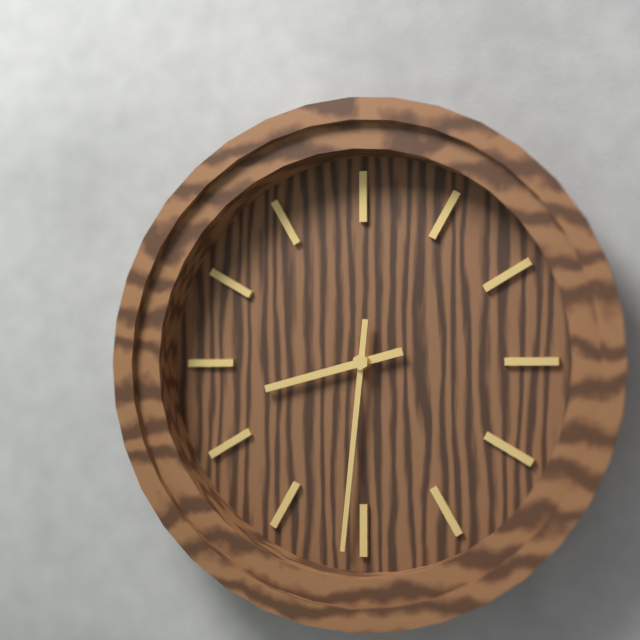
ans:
**8:31**
